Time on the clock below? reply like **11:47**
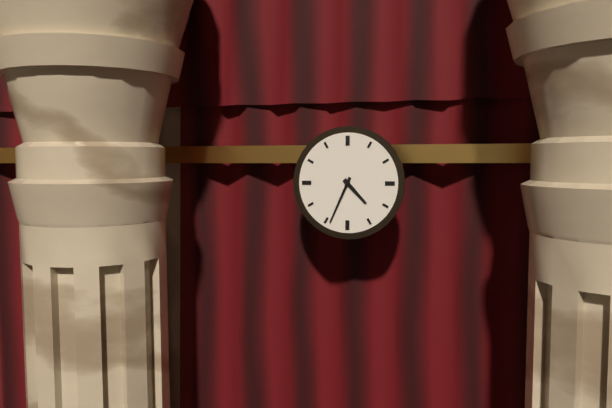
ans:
**4:34**
